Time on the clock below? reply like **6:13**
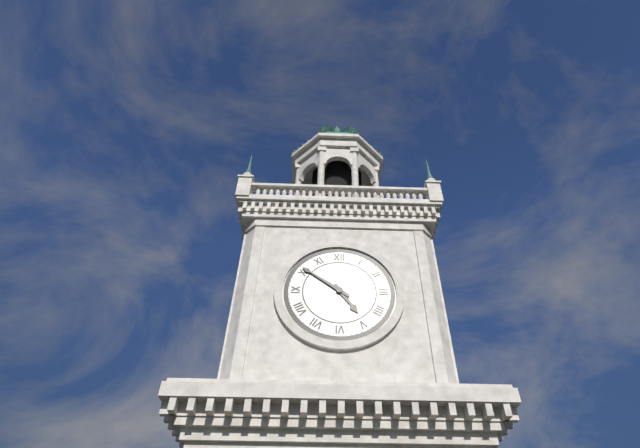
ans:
**4:51**
